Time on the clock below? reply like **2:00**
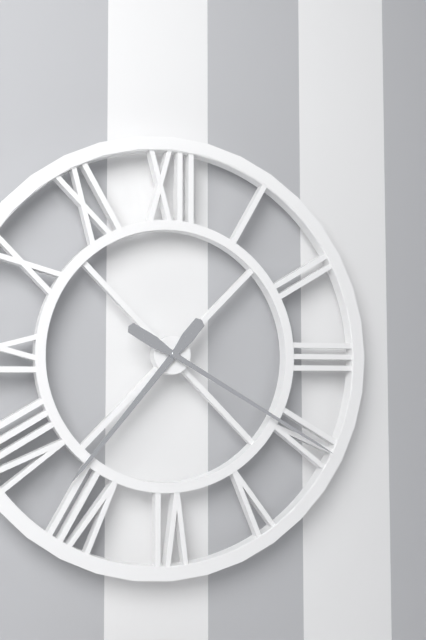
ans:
**7:20**
